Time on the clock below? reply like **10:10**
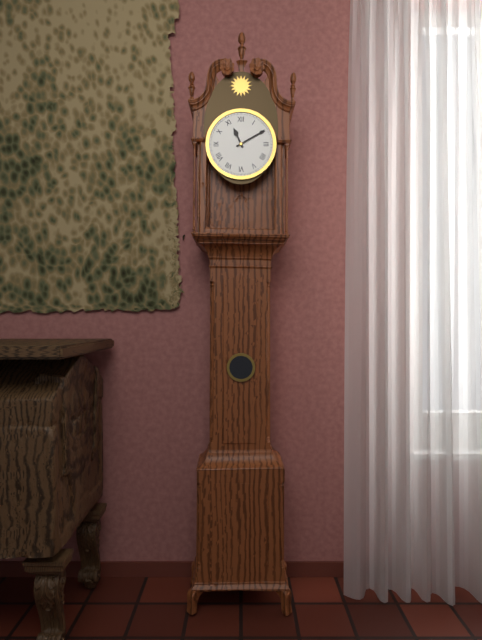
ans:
**11:10**
